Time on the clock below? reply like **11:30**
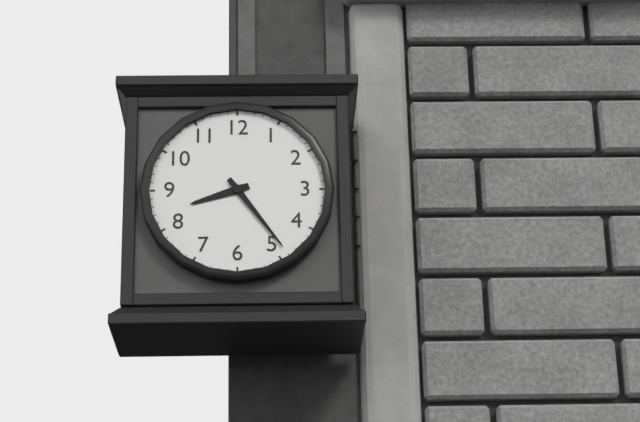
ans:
**8:24**
